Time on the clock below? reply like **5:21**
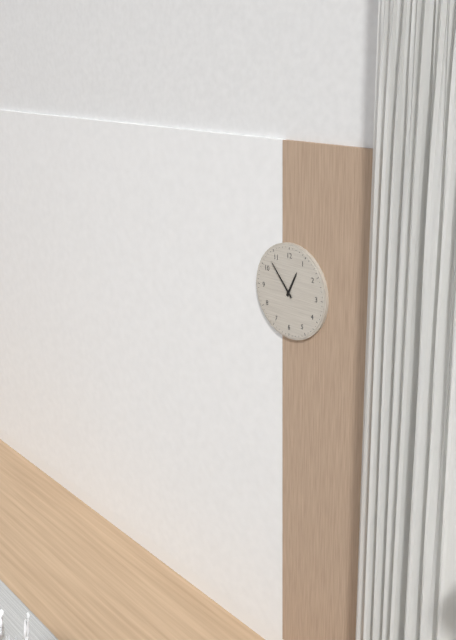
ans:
**12:53**
